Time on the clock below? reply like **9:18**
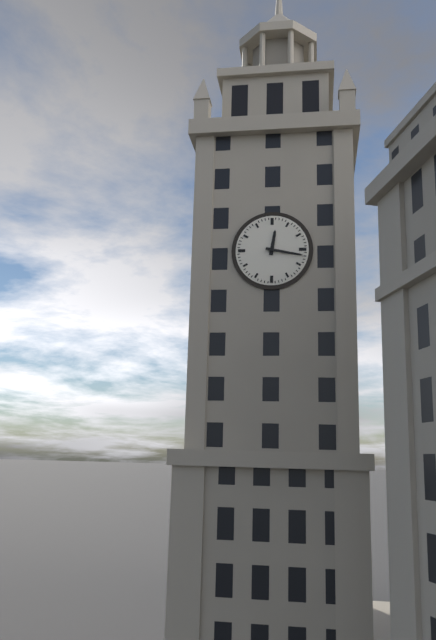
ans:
**12:17**
